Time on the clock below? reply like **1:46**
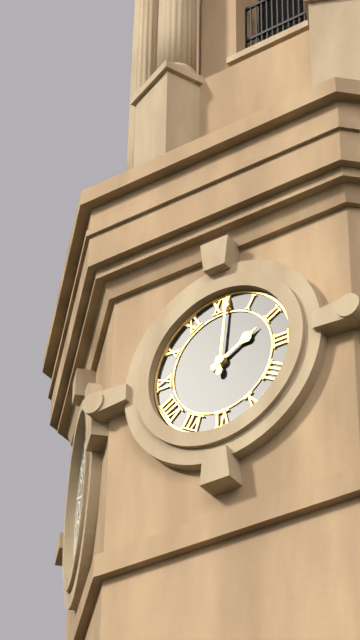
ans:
**2:01**
